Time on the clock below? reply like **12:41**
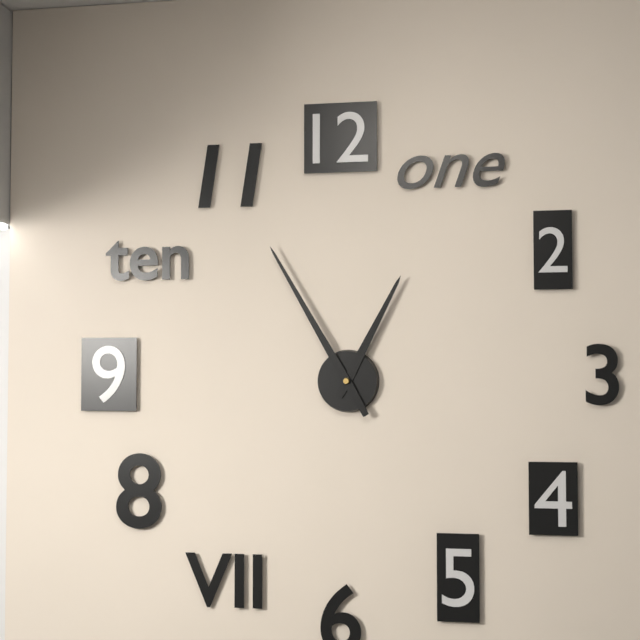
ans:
**12:55**
